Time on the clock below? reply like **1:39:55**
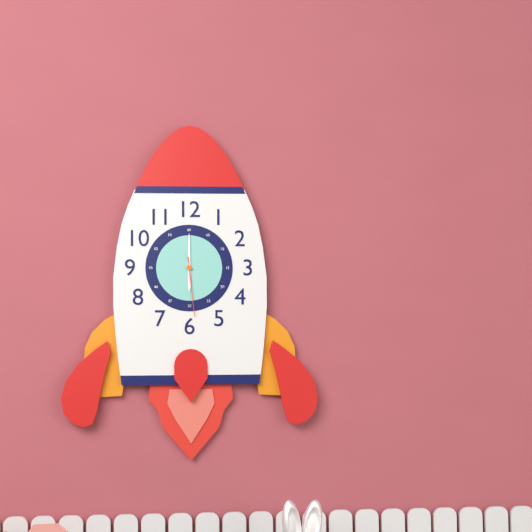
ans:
**6:00:29**
